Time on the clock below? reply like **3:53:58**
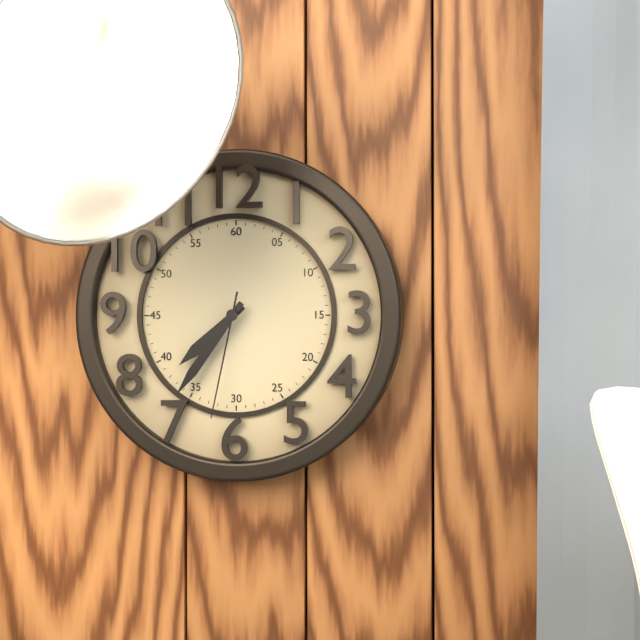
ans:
**7:36:32**
